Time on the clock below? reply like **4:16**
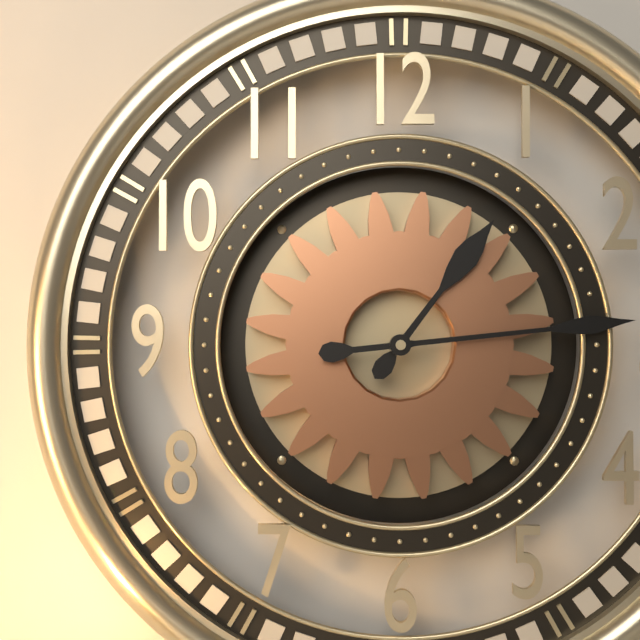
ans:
**1:14**
